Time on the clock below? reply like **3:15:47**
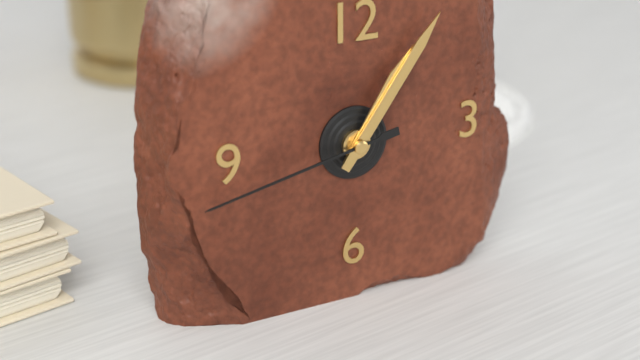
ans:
**1:06:43**
